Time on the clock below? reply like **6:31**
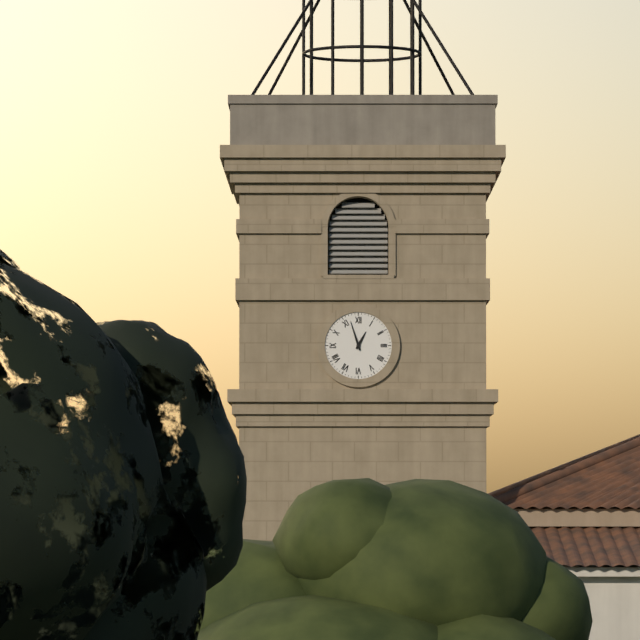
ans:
**12:57**
